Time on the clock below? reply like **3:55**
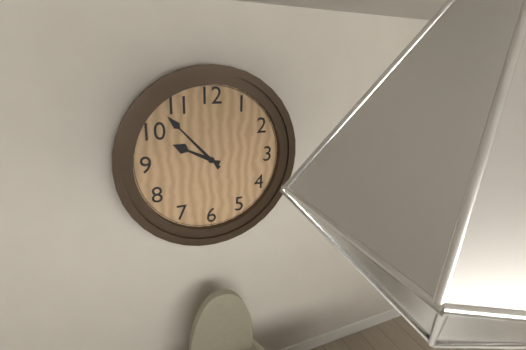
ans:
**9:53**
